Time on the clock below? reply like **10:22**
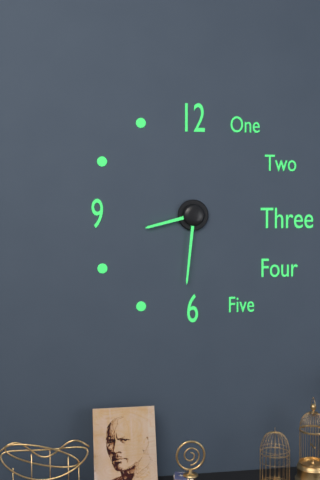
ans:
**8:31**
